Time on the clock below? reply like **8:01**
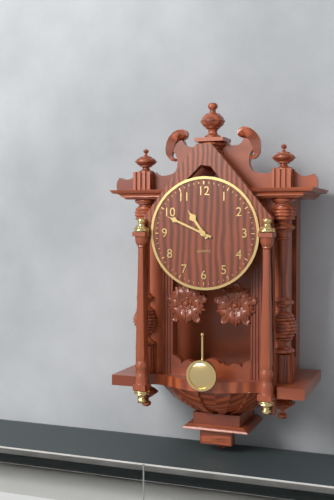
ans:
**10:49**
